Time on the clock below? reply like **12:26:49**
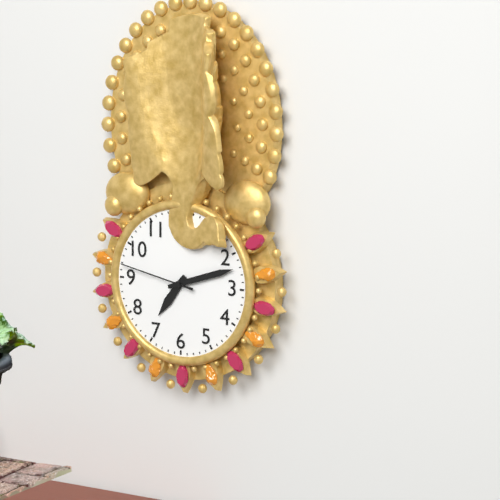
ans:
**7:12:47**
